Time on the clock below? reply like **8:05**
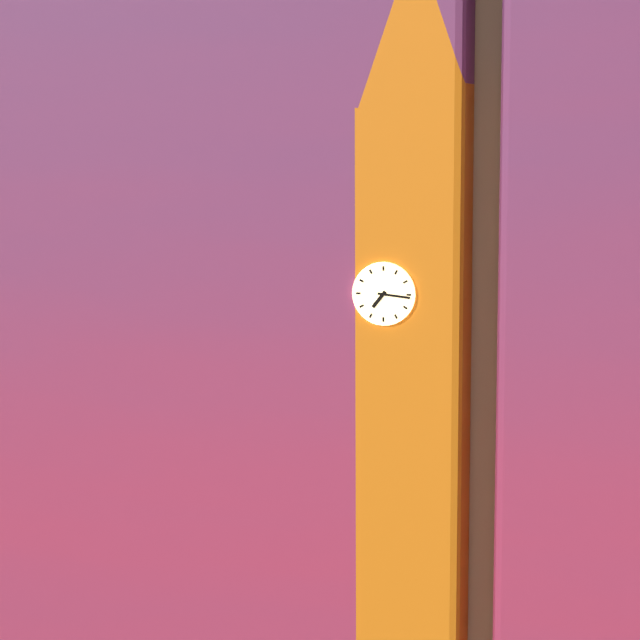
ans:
**7:16**
